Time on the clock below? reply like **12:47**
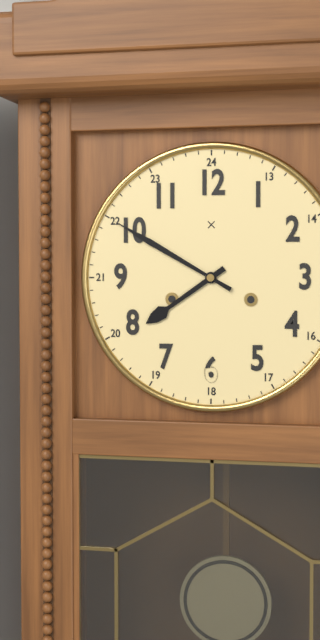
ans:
**7:50**
